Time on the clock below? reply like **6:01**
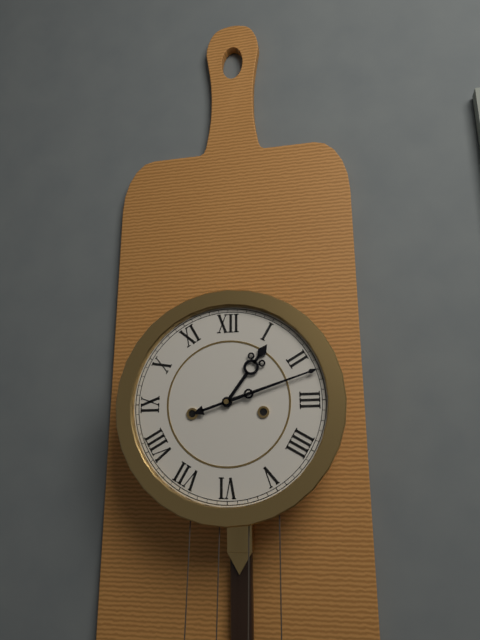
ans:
**1:12**
